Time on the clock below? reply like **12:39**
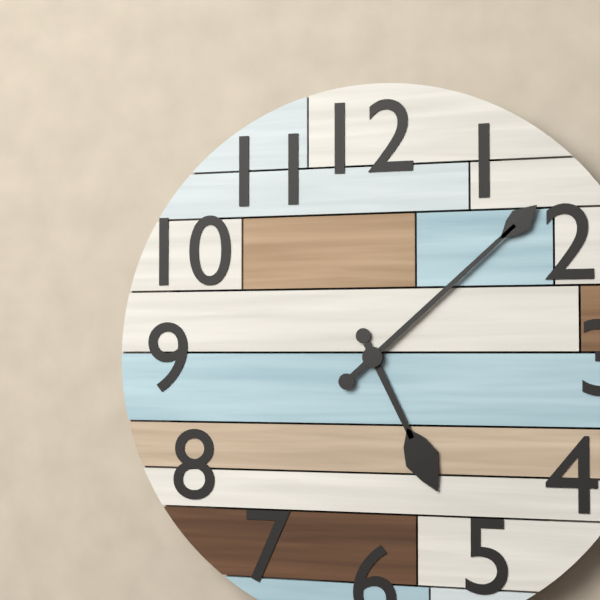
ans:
**5:08**
